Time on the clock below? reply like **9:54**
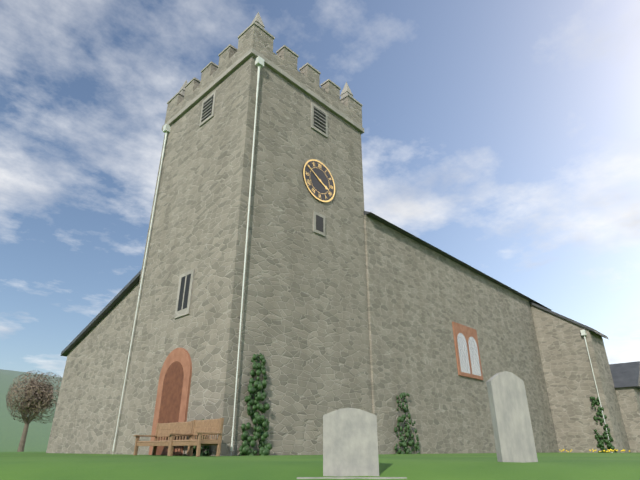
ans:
**3:50**
